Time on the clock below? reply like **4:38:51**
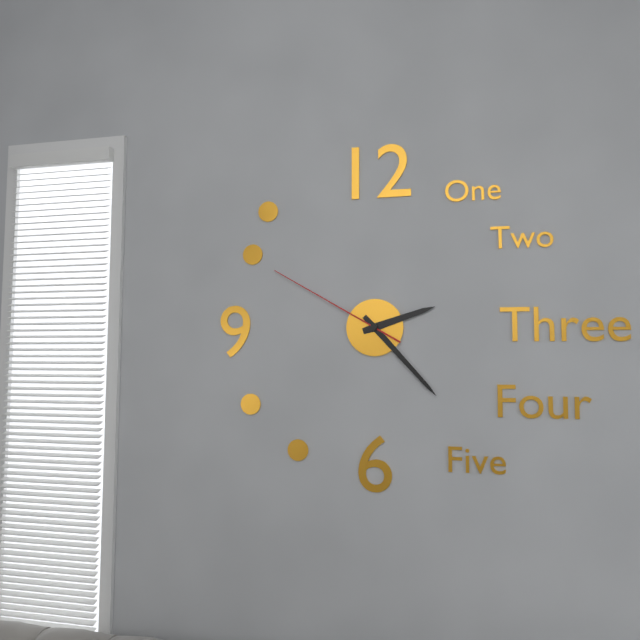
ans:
**2:23:50**
